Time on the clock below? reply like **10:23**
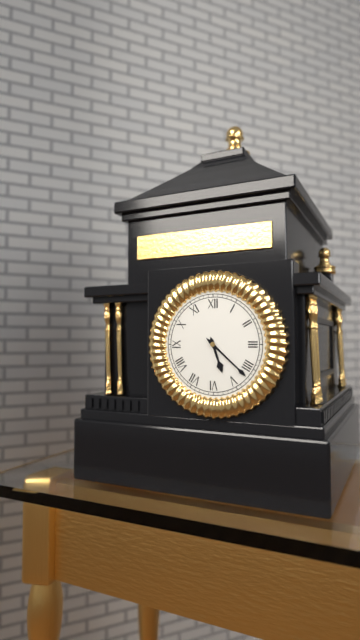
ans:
**5:22**
